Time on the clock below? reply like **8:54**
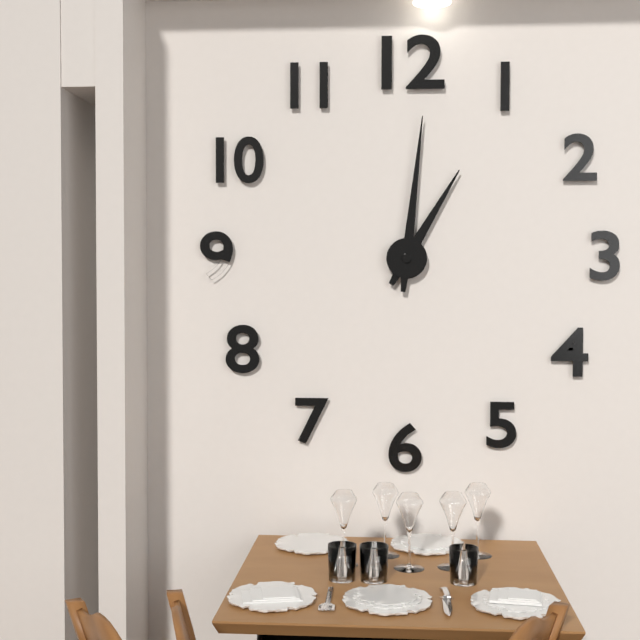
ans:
**1:01**
